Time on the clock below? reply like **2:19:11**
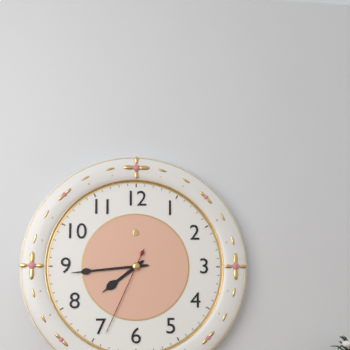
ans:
**7:44:34**
